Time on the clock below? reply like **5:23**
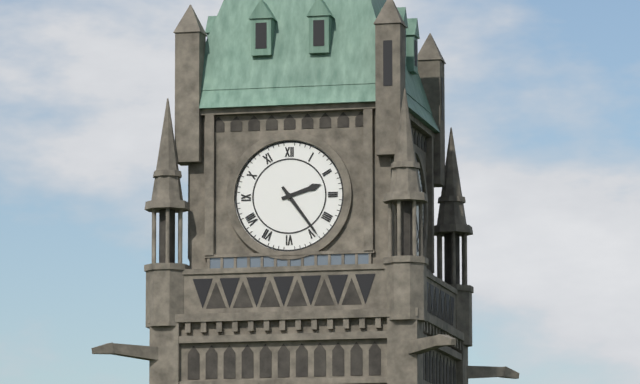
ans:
**2:24**
